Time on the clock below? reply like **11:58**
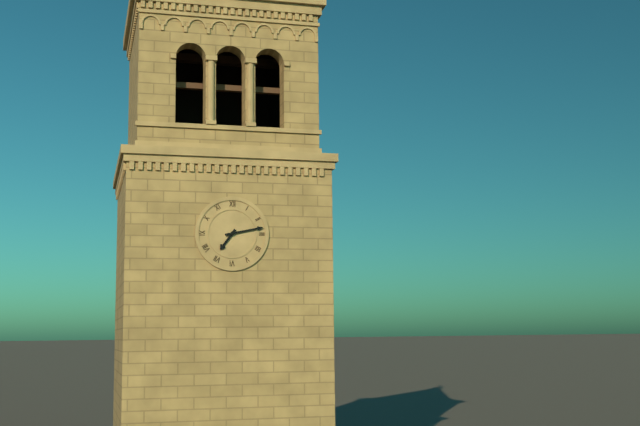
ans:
**7:13**
